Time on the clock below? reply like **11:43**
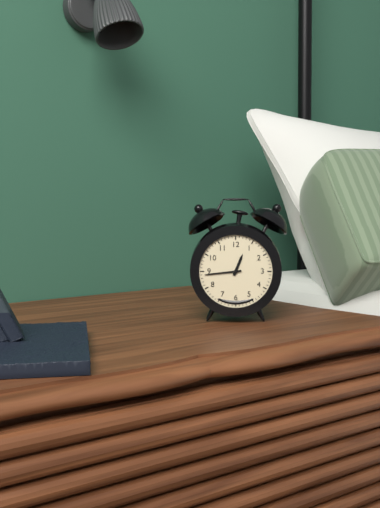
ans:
**12:44**
